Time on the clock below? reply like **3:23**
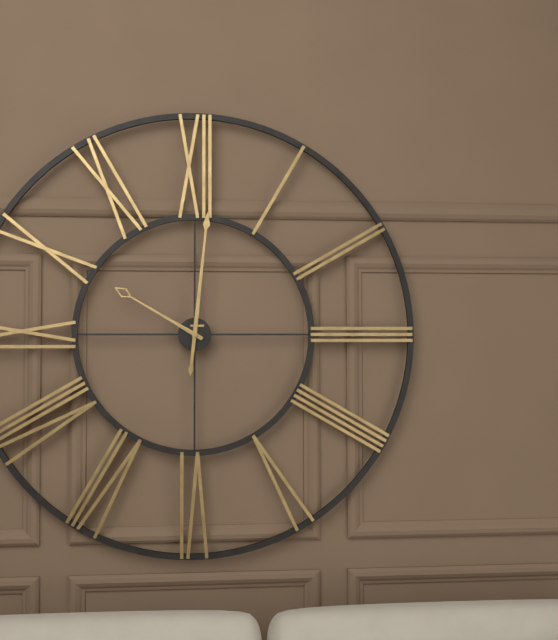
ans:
**10:01**
